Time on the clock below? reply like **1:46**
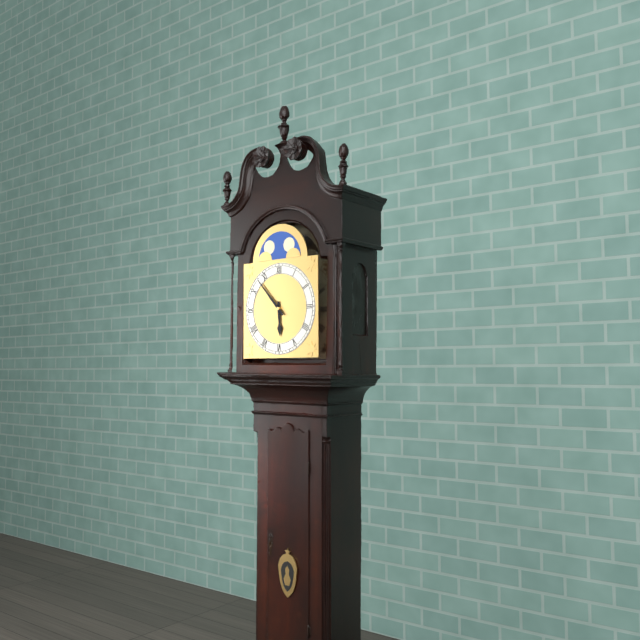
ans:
**5:53**
